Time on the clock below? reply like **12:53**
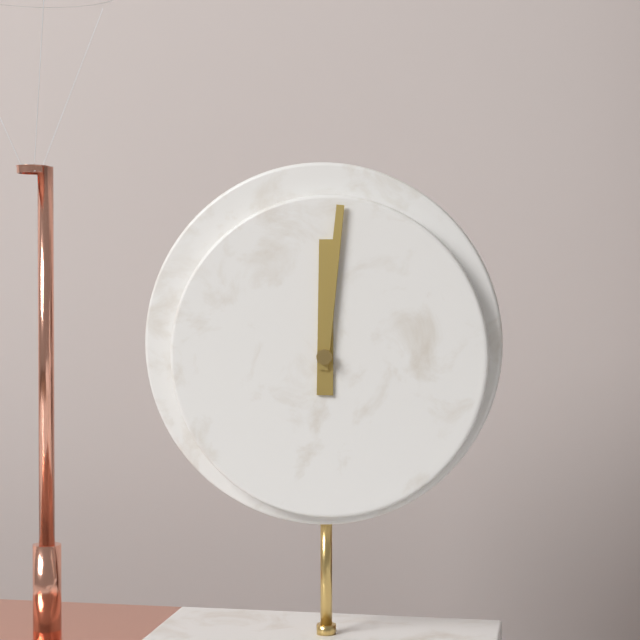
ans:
**12:01**
